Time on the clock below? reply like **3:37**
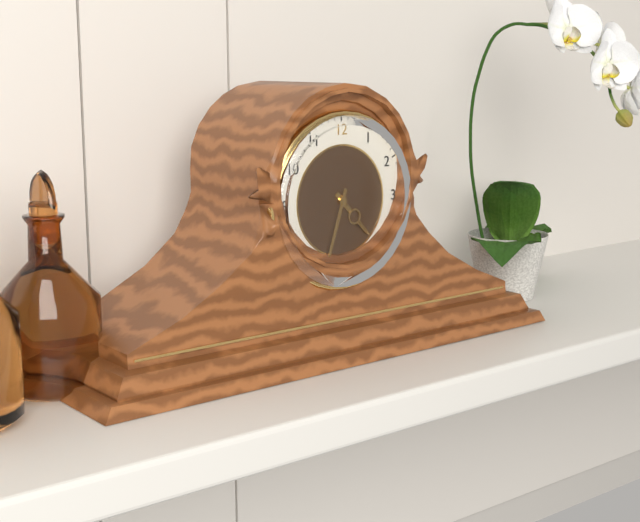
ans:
**4:33**
